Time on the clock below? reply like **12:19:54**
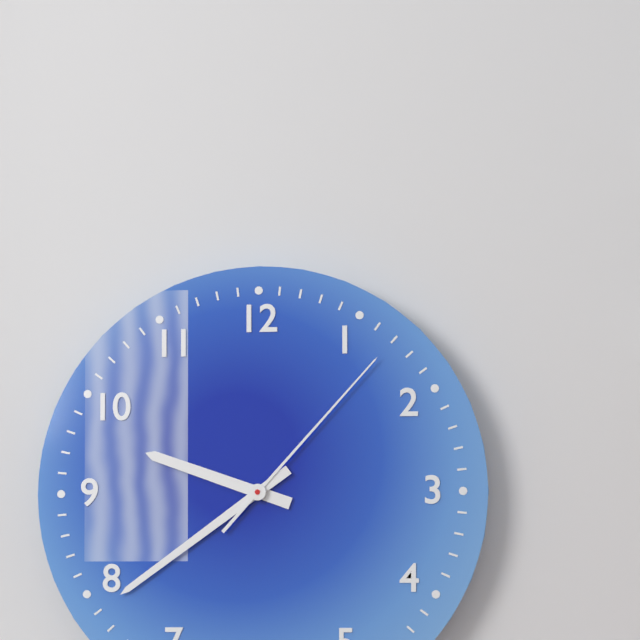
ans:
**9:39:07**
